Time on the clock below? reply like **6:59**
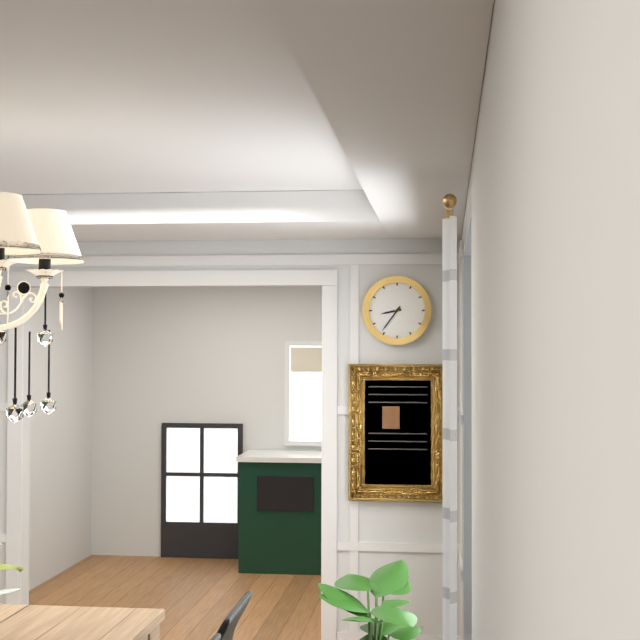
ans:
**8:36**
